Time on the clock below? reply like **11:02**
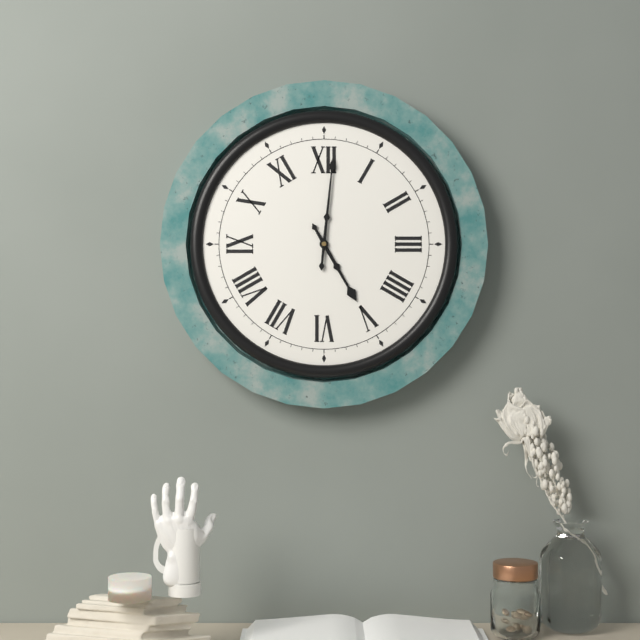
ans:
**5:01**
